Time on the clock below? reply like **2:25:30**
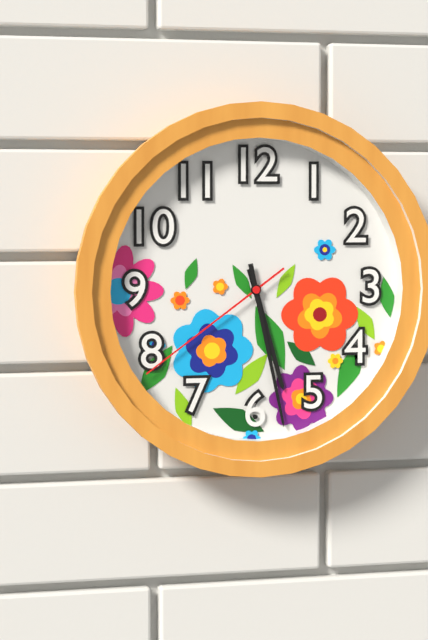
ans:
**5:28:39**
